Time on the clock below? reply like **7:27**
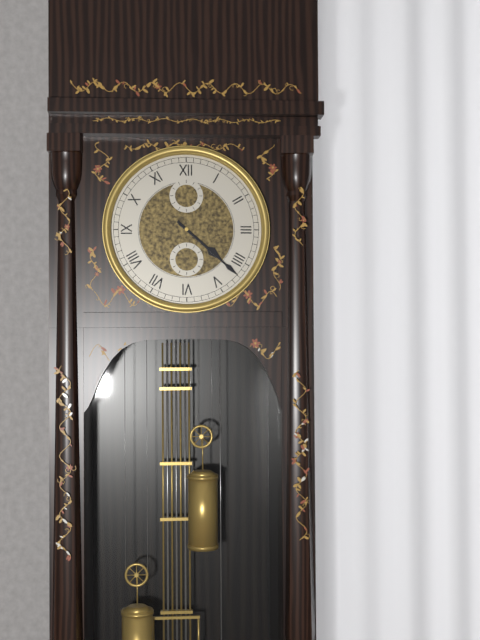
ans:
**4:22**
